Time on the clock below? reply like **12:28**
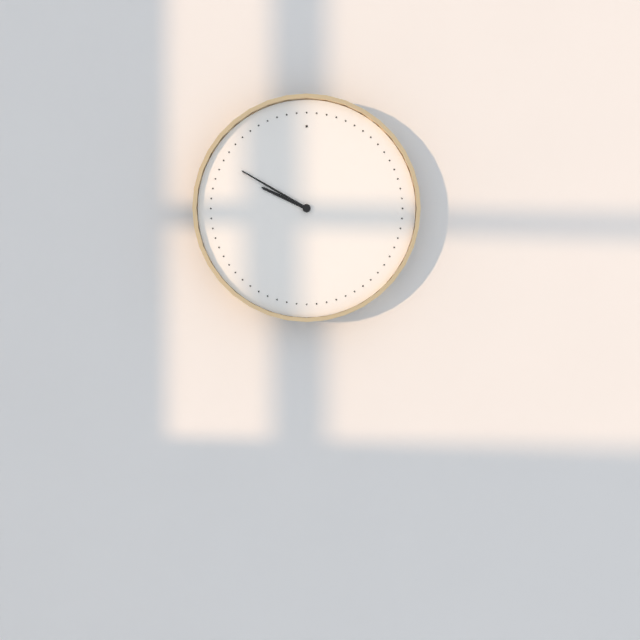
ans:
**9:50**
